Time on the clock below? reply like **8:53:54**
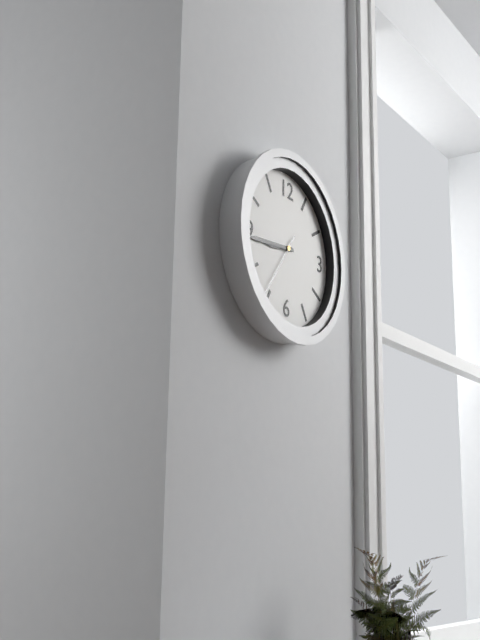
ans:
**8:44:36**
